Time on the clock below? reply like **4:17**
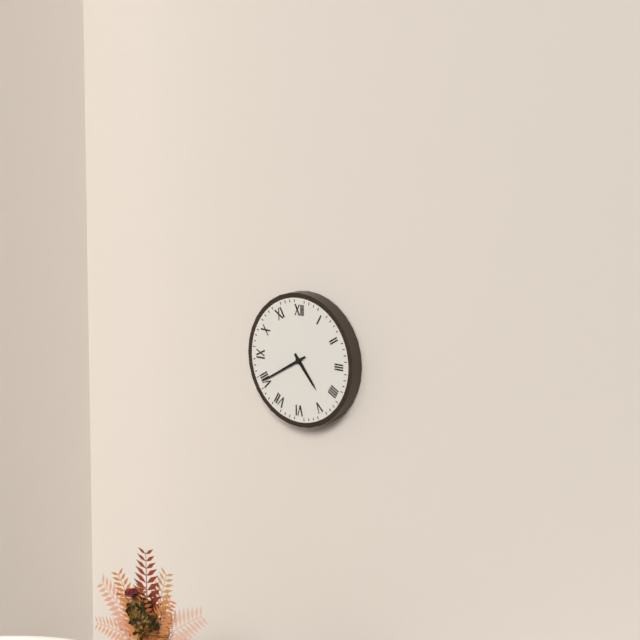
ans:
**4:40**
